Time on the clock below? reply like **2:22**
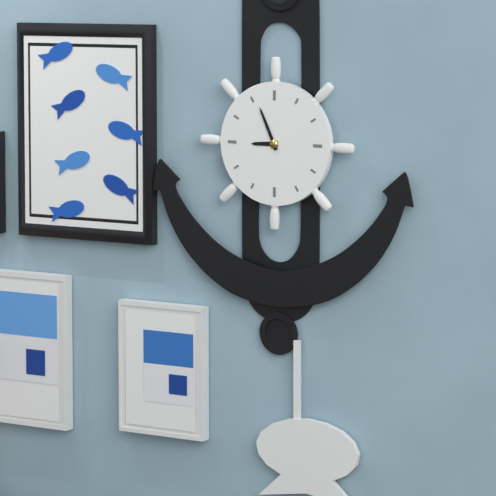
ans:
**8:56**
